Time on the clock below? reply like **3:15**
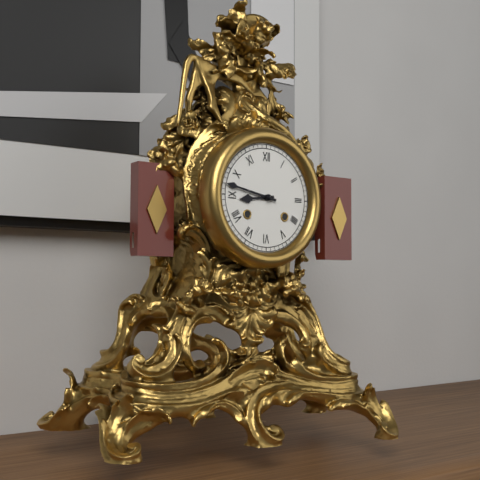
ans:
**8:47**
